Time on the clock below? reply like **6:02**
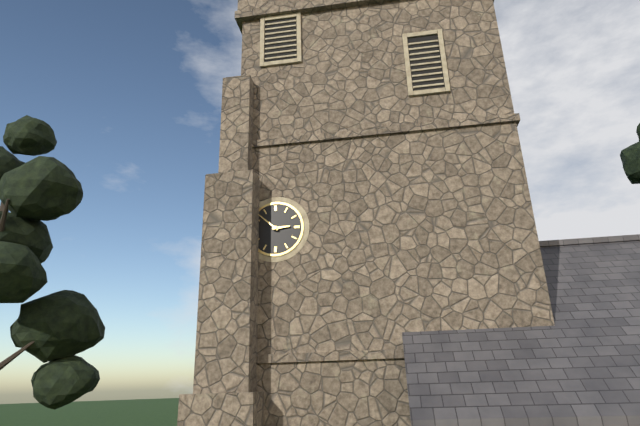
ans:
**2:52**
